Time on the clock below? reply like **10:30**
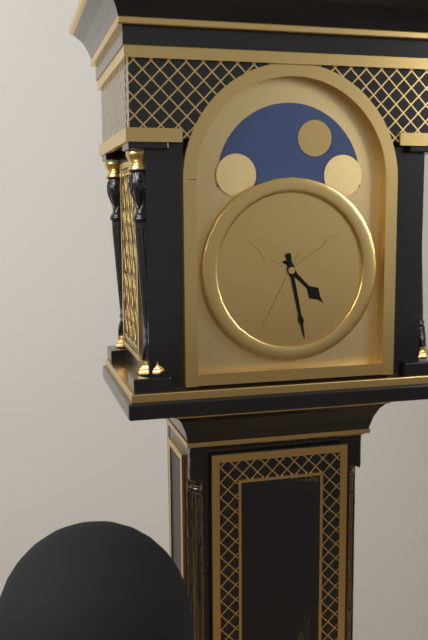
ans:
**4:28**
